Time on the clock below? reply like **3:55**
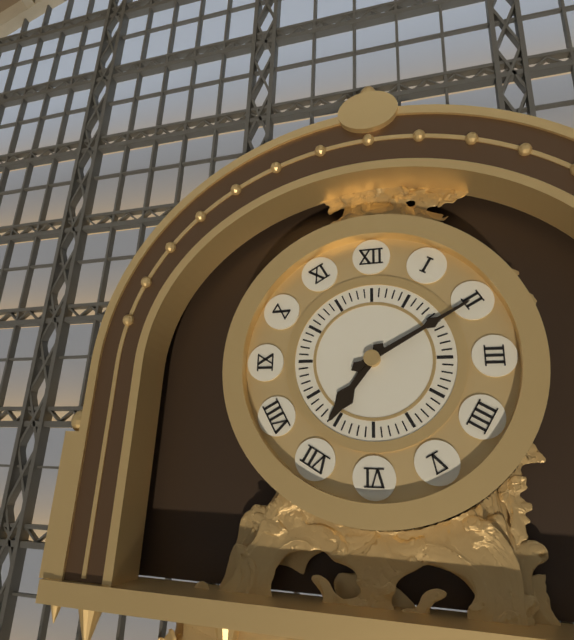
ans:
**7:10**
